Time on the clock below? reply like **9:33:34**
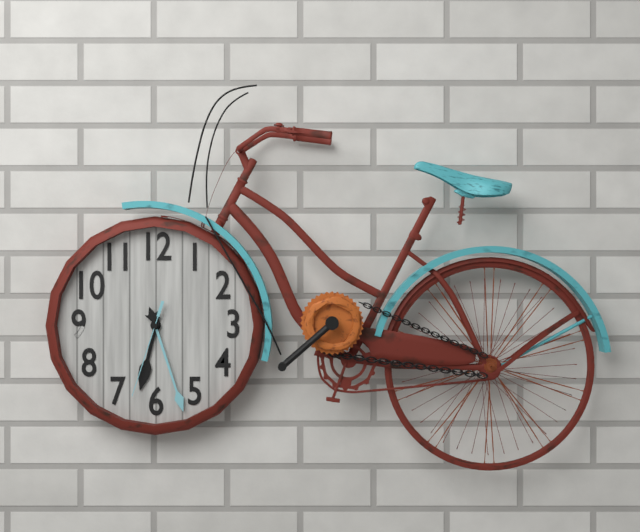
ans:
**6:27:33**
